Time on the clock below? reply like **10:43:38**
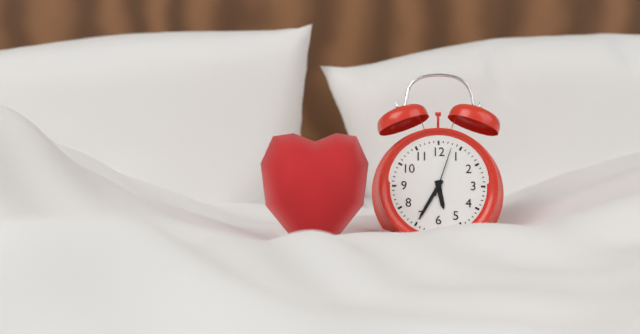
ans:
**5:35:03**
